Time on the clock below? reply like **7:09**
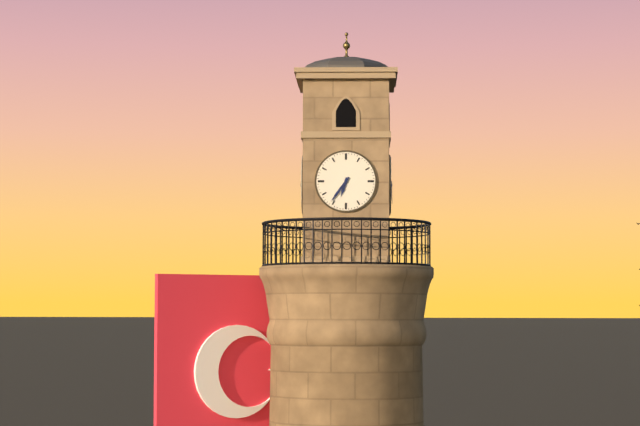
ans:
**6:36**
